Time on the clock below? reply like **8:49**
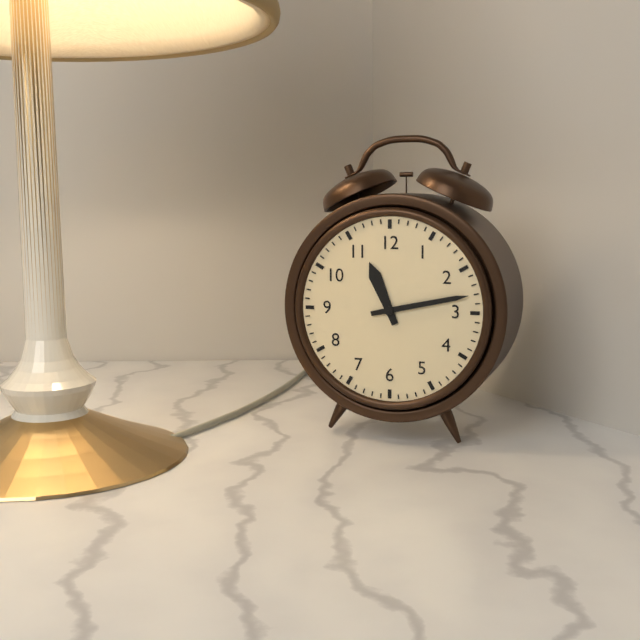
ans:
**11:13**
